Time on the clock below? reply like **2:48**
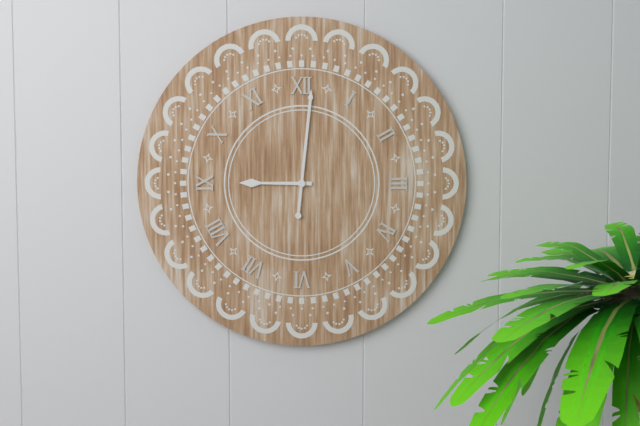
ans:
**9:01**
